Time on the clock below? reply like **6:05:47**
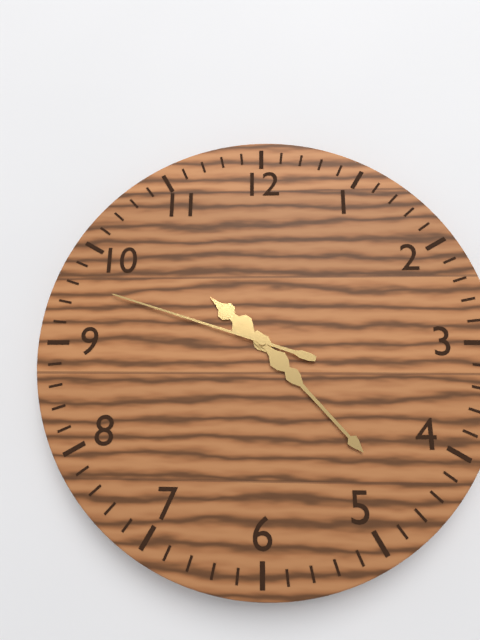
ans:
**10:23:48**
